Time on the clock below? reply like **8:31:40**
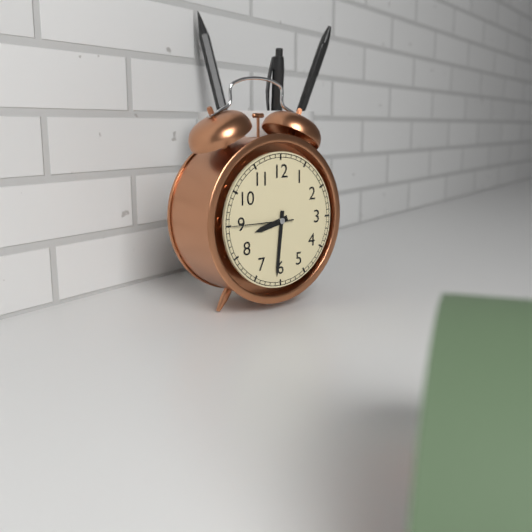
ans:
**8:31:45**
